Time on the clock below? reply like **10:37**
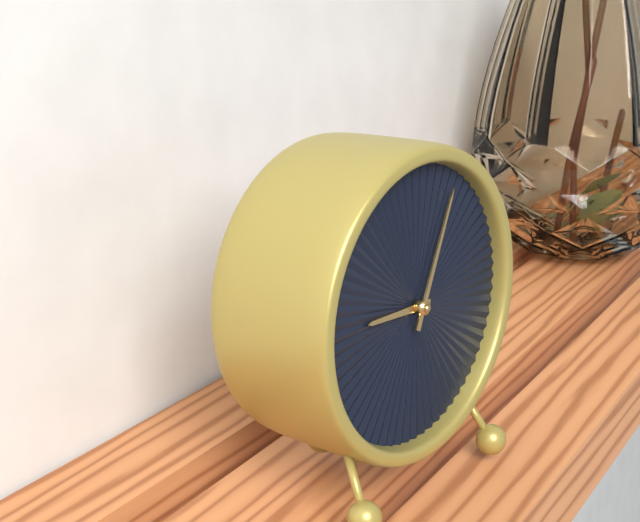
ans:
**9:04**
